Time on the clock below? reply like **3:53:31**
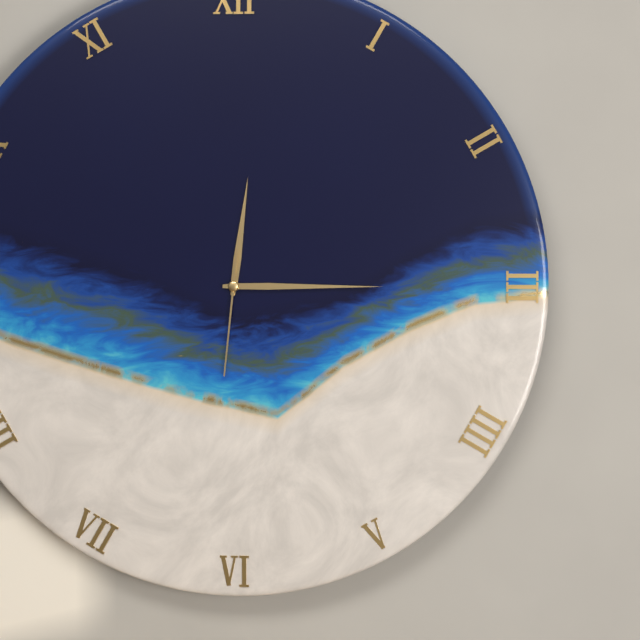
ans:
**12:15:31**
